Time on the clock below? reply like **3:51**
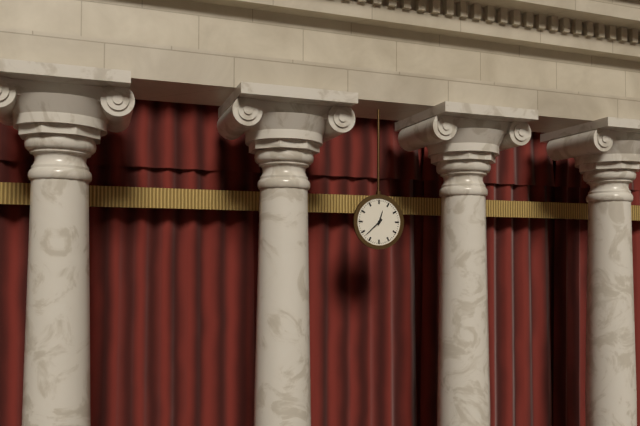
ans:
**12:38**
